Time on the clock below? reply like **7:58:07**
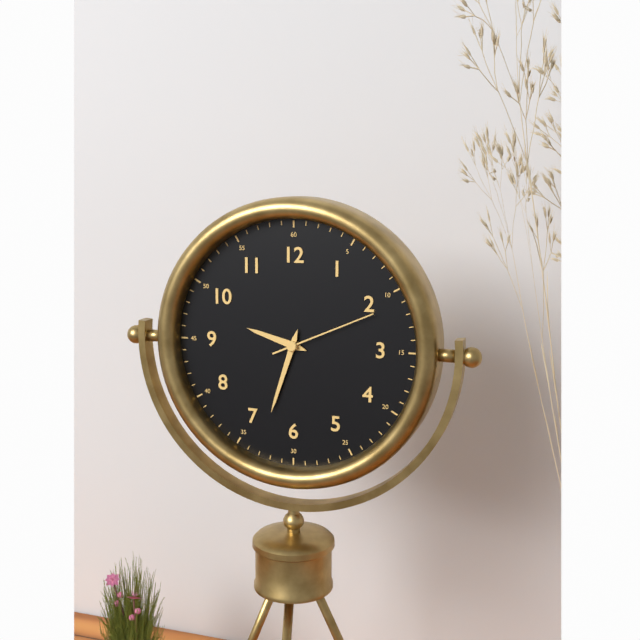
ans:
**9:33:11**
